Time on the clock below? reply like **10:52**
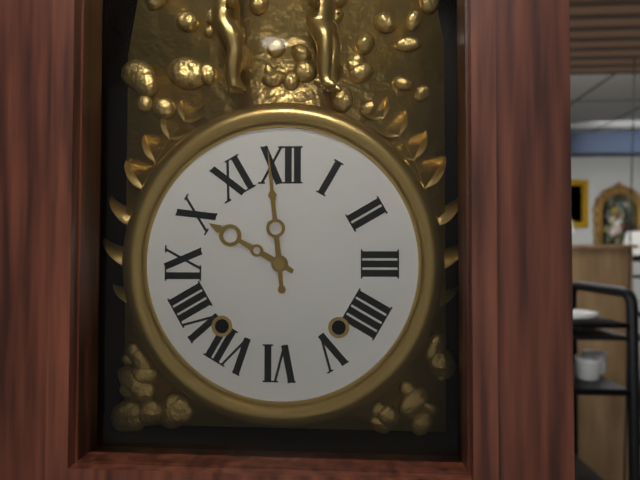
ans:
**9:59**
